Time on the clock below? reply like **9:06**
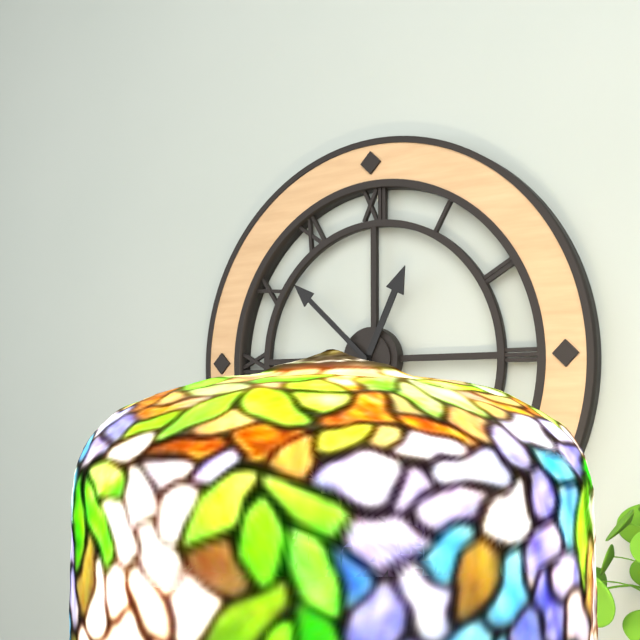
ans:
**12:52**
